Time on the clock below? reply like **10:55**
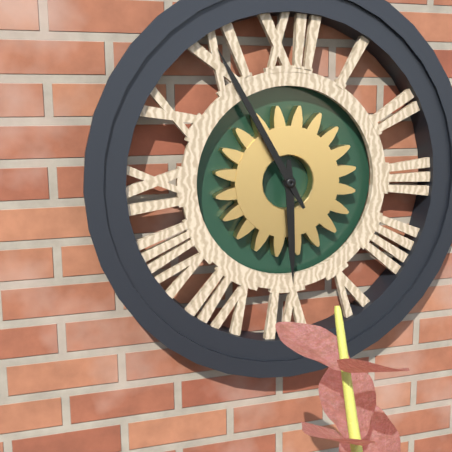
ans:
**5:55**
